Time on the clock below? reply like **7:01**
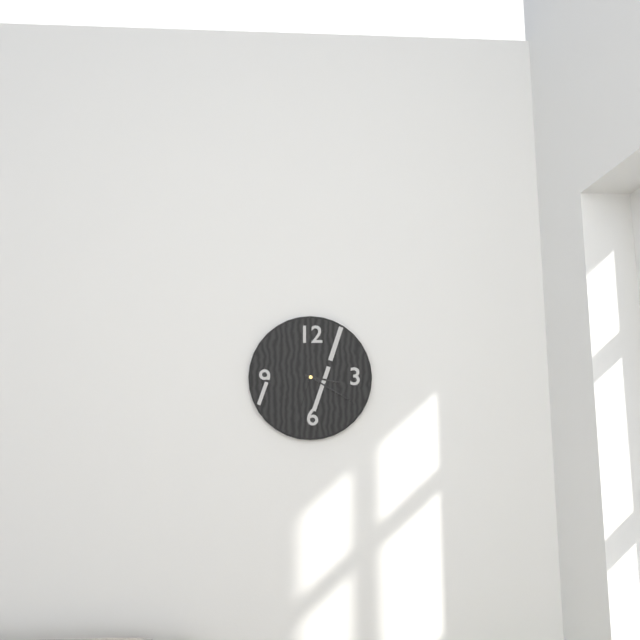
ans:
**3:20**
